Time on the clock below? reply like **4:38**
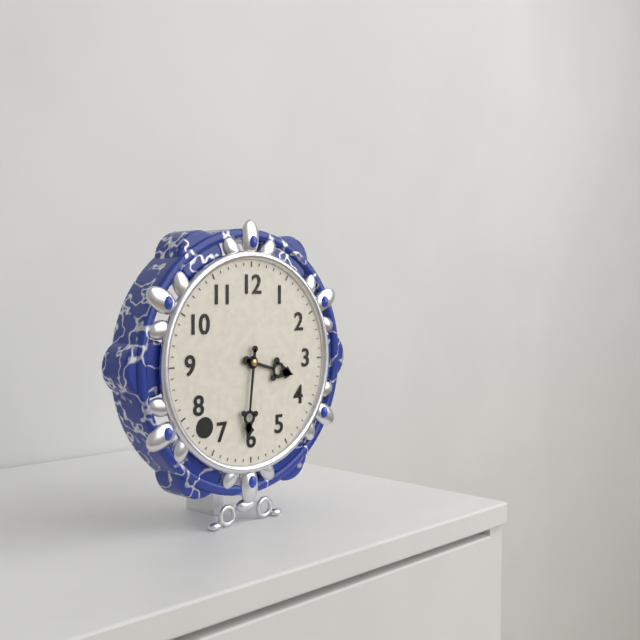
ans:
**3:31**
